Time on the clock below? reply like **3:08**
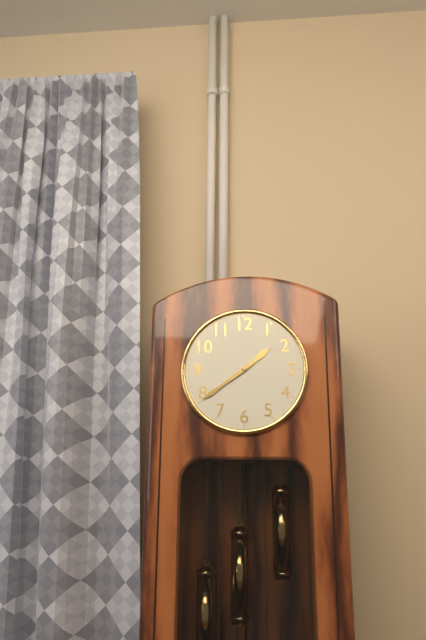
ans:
**1:39**
